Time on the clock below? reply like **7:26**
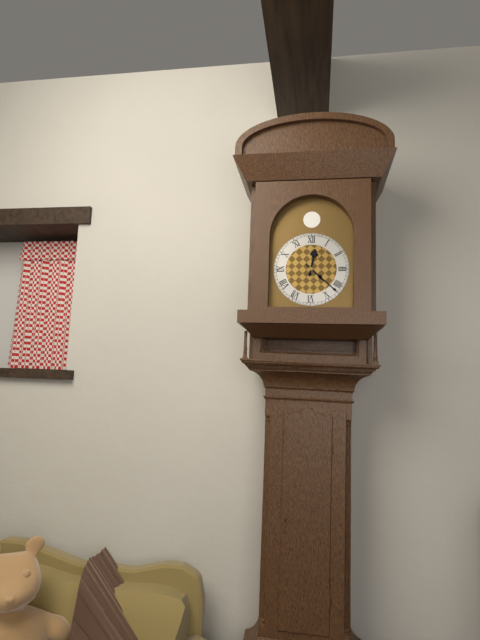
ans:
**12:22**
